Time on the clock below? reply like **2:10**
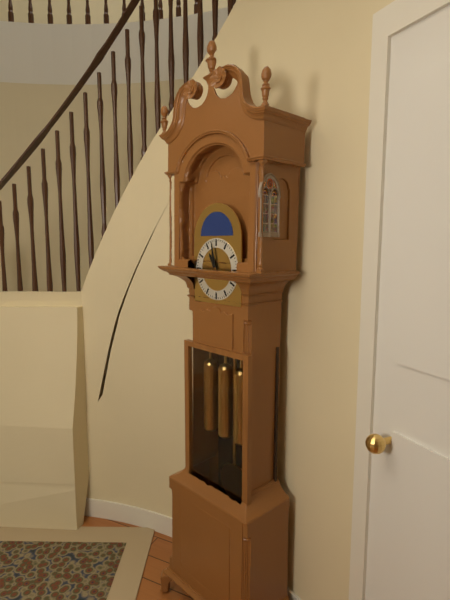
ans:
**10:58**
